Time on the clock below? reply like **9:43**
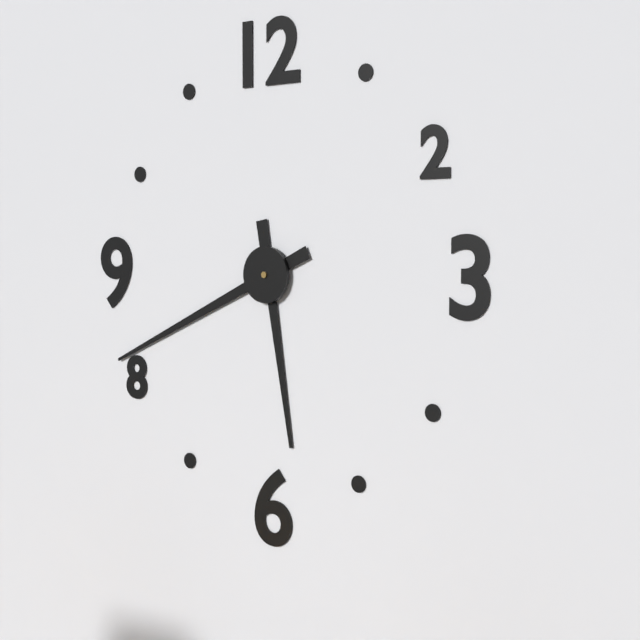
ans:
**5:41**
